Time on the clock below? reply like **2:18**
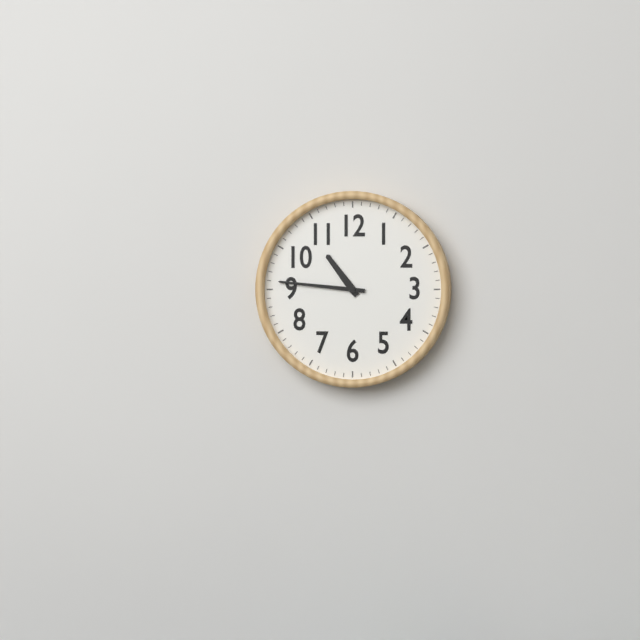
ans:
**10:46**
